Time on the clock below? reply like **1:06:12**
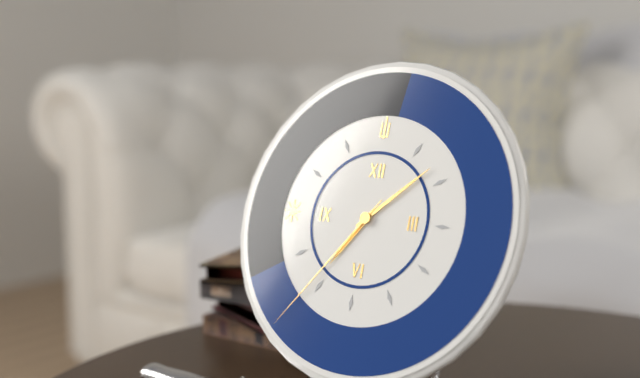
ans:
**7:08:36**
